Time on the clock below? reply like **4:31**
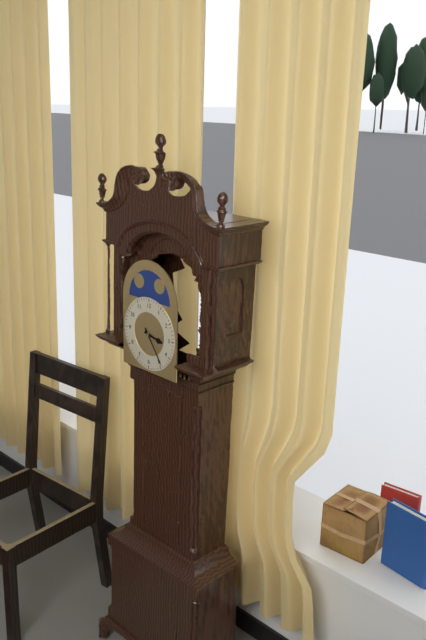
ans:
**3:24**
